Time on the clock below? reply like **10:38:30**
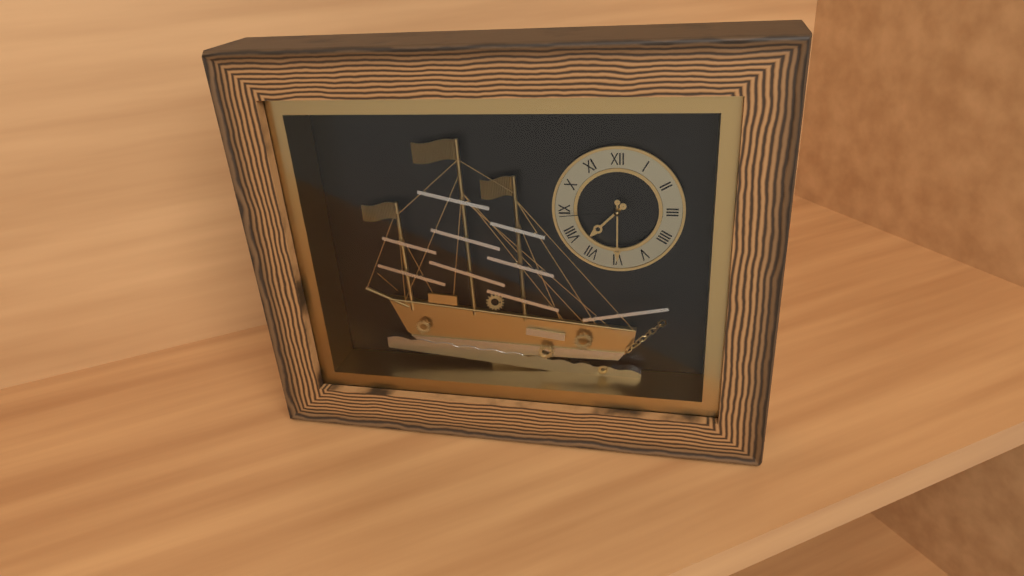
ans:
**7:30:44**
